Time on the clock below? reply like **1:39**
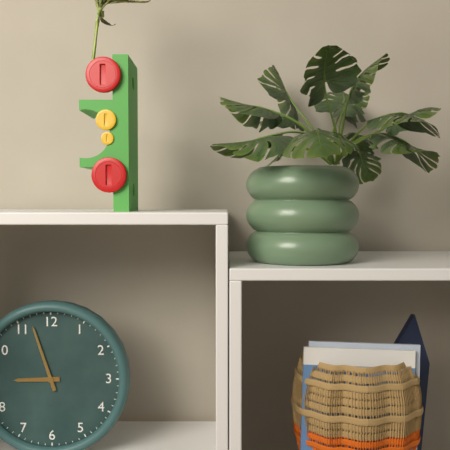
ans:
**8:57**
